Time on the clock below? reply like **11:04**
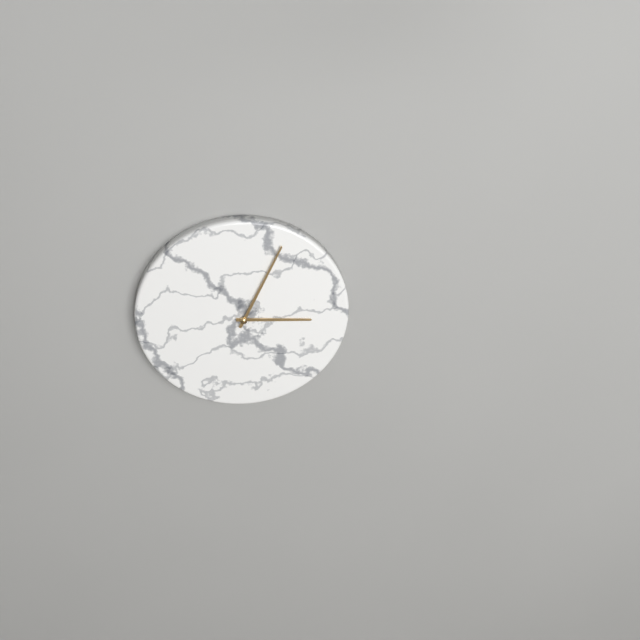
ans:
**3:04**
